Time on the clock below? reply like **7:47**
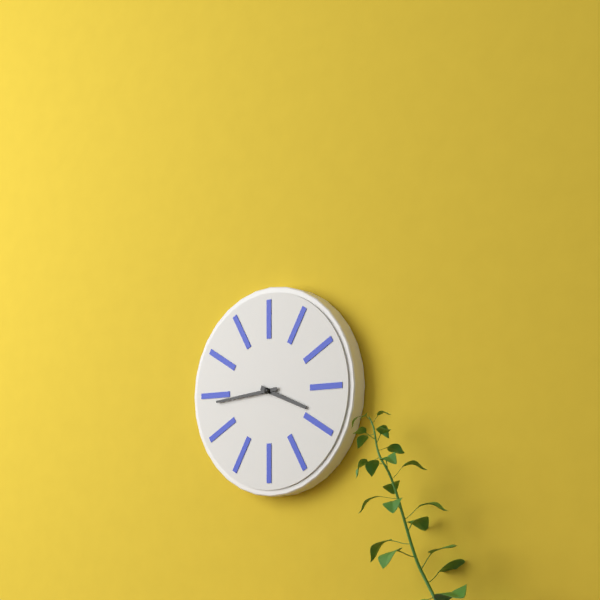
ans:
**3:44**
